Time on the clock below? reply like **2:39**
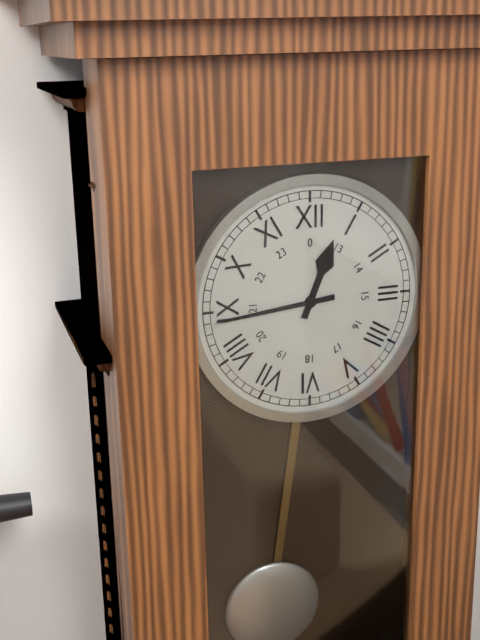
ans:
**12:44**
